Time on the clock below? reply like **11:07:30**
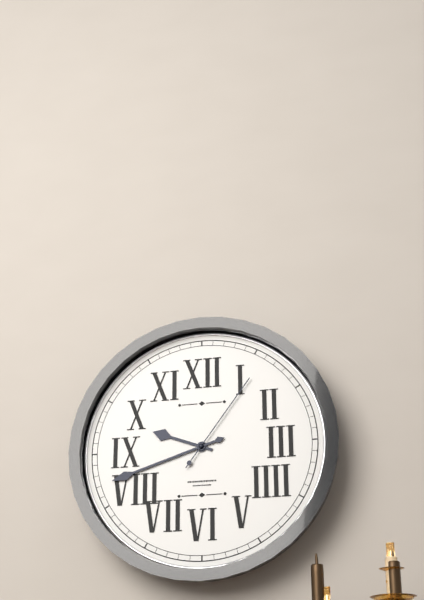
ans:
**9:42:06**
